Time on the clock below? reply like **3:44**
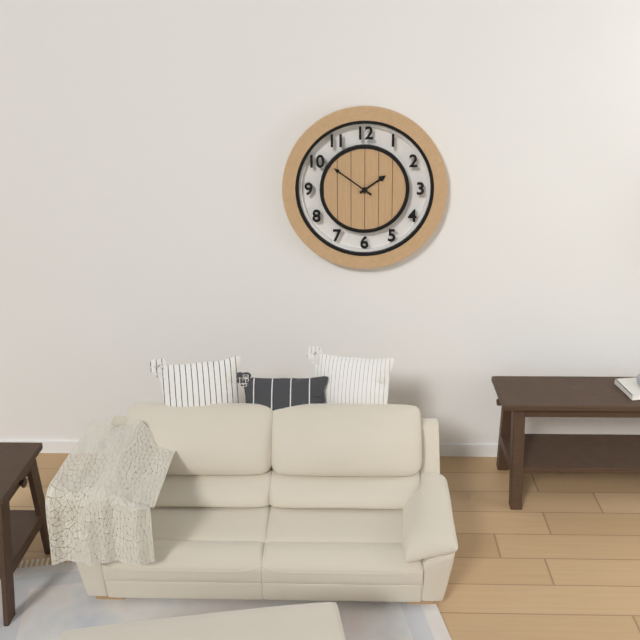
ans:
**1:51**
